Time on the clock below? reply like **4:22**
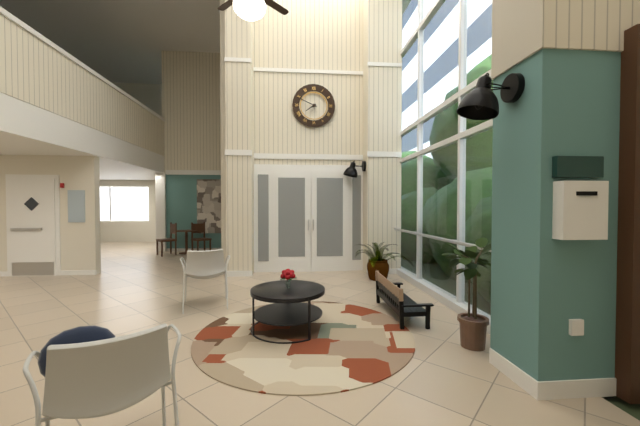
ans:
**7:49**
